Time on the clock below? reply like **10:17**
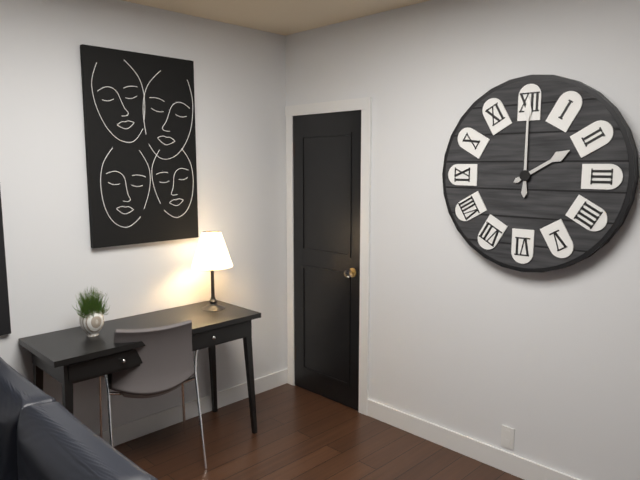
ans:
**2:00**
